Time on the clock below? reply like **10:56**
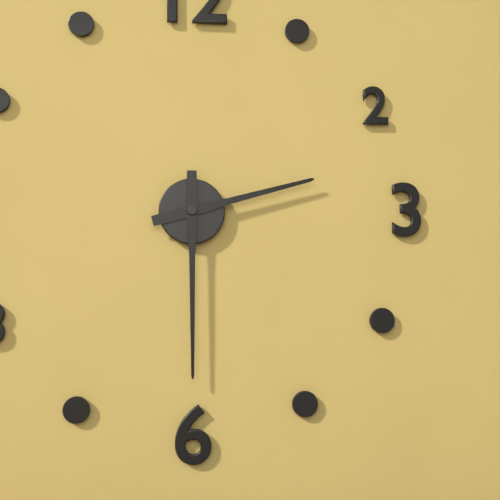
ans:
**2:30**
